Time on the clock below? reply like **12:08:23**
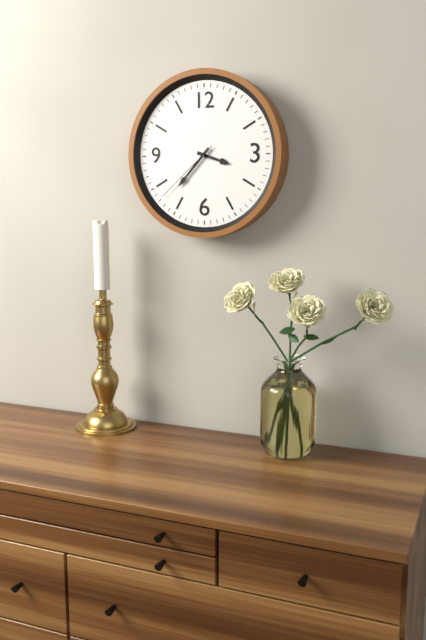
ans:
**3:37:38**
